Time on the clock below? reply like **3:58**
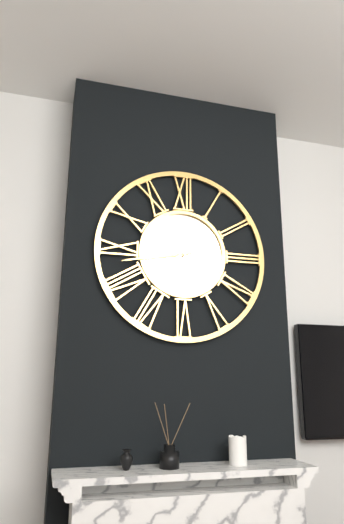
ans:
**7:43**
